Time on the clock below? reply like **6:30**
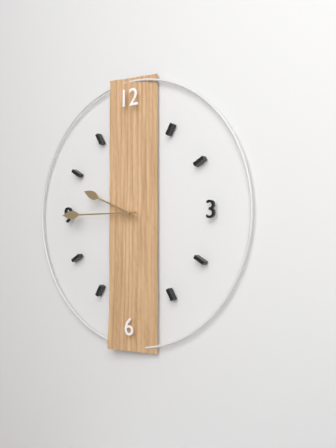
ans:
**9:45**
